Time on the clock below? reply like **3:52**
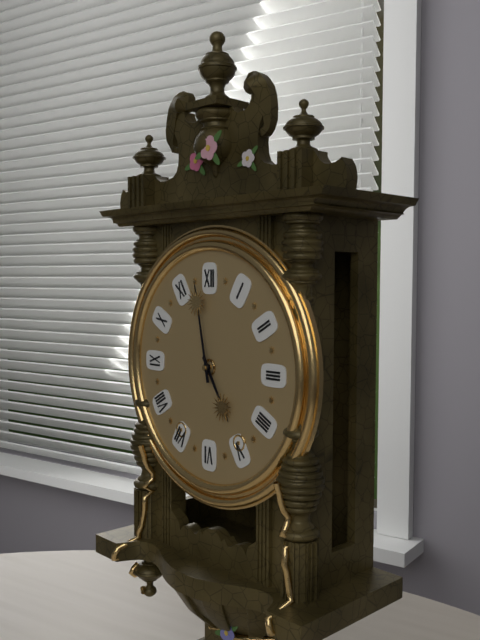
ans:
**4:58**
